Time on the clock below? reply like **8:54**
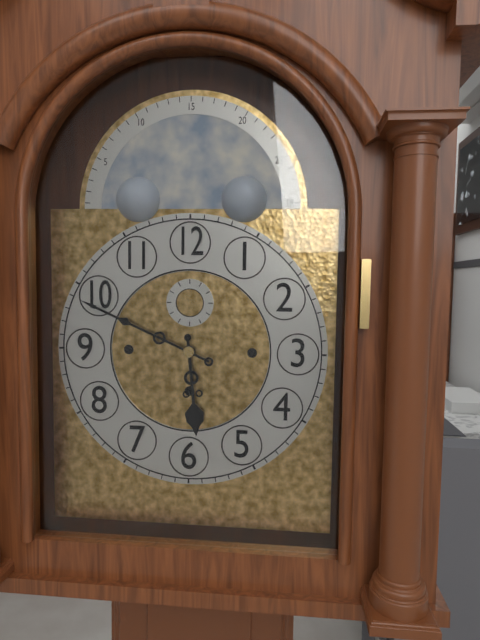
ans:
**5:49**
